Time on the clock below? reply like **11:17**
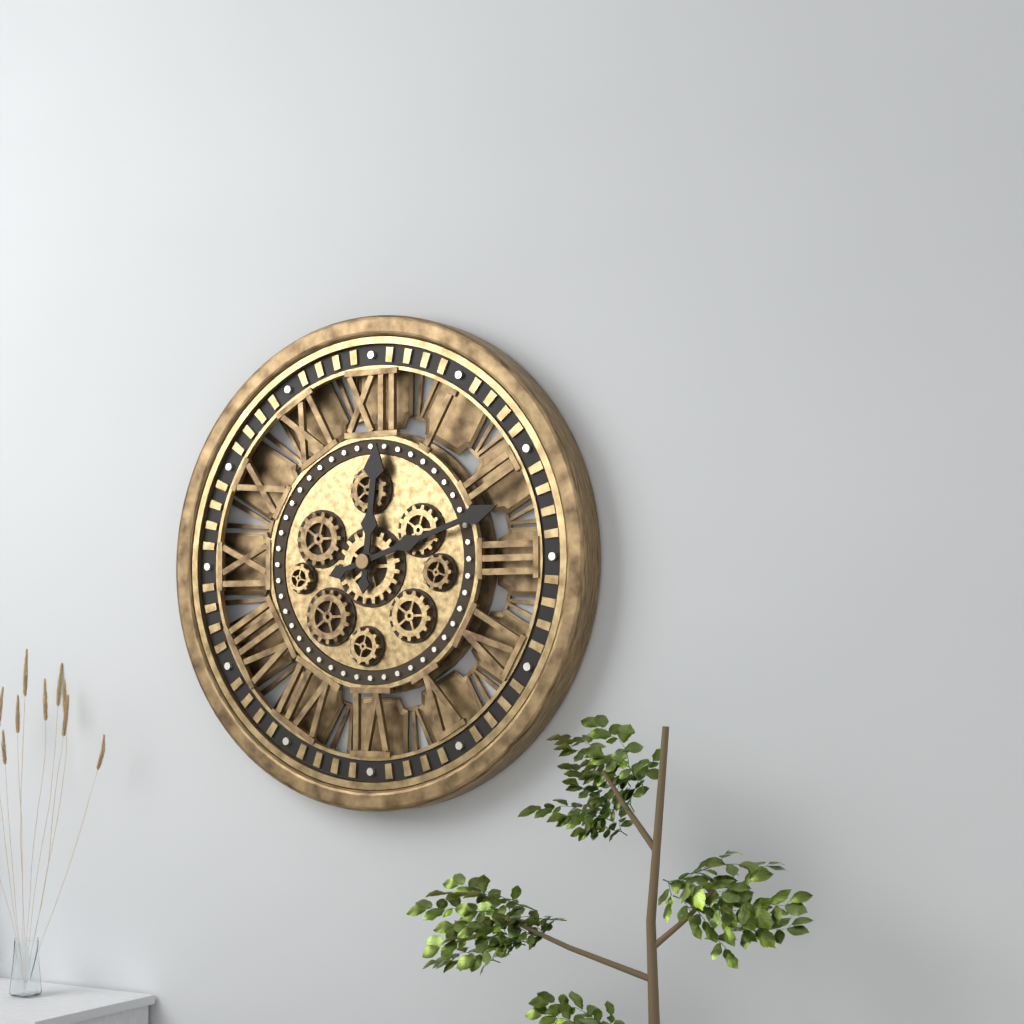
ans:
**12:12**
